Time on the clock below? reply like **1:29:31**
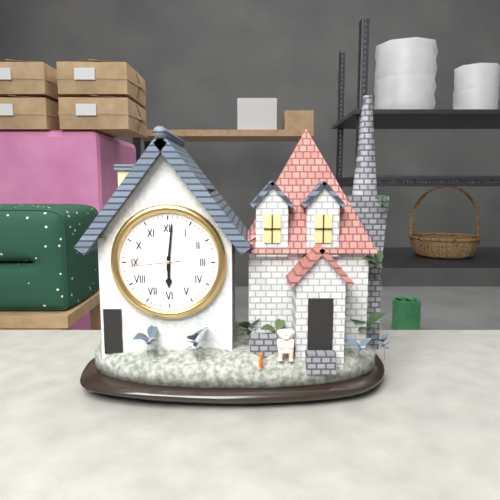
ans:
**6:01:44**
